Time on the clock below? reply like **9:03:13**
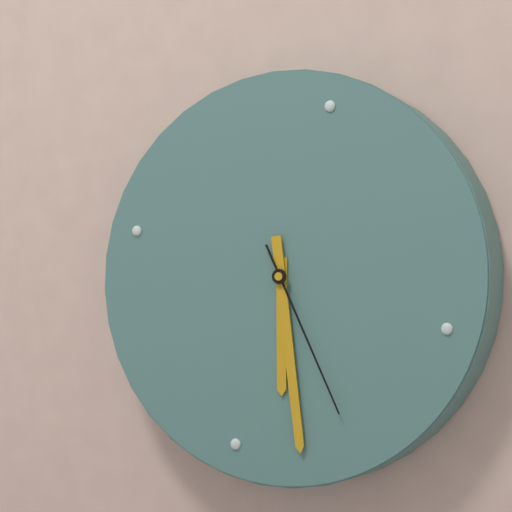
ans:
**5:26:23**
